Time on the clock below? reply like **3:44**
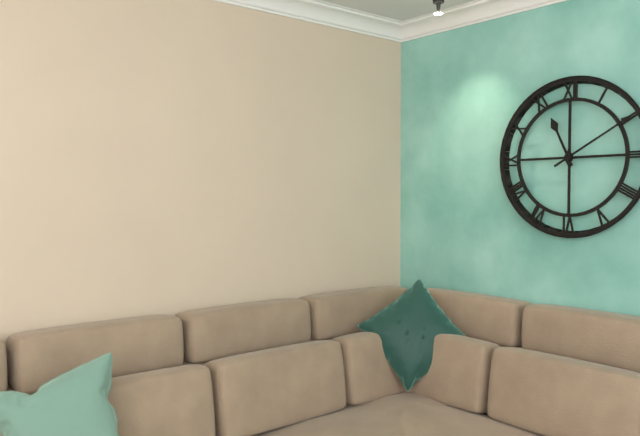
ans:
**11:10**
